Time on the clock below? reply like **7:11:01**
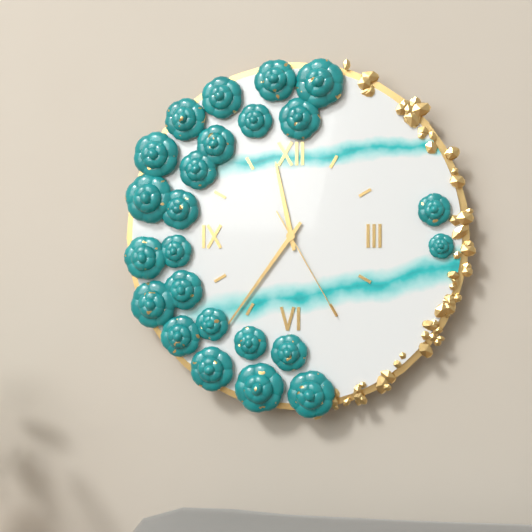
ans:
**11:36:25**
